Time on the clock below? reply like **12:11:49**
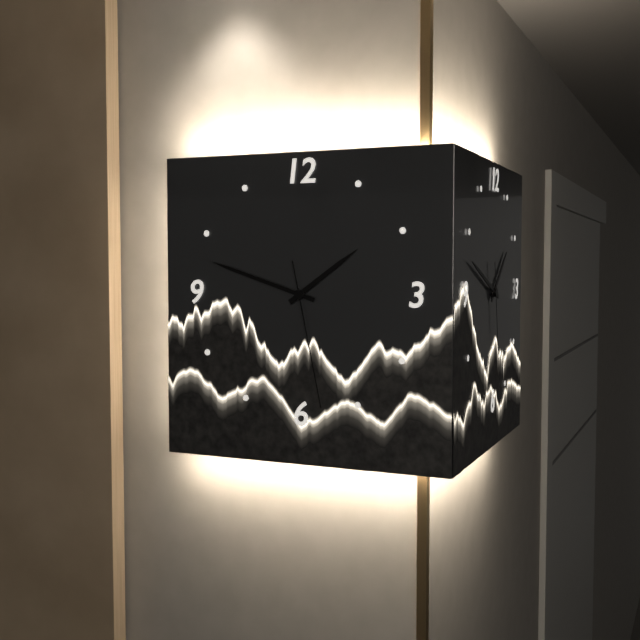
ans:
**1:48:28**
